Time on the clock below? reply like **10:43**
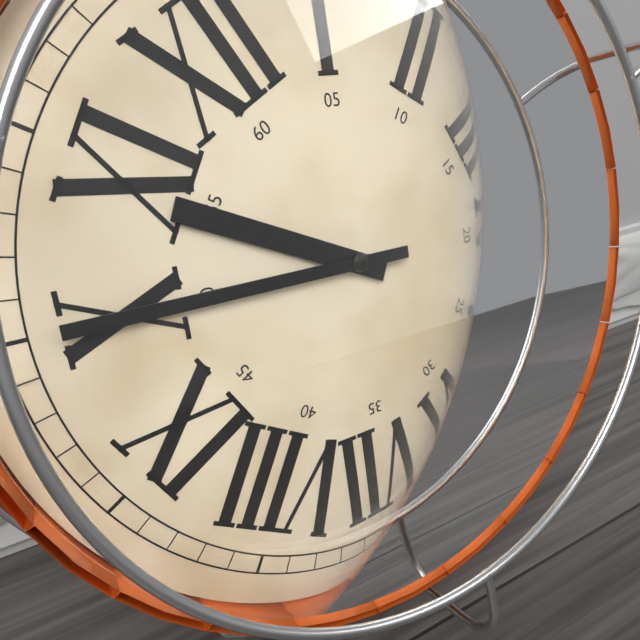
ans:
**10:50**
